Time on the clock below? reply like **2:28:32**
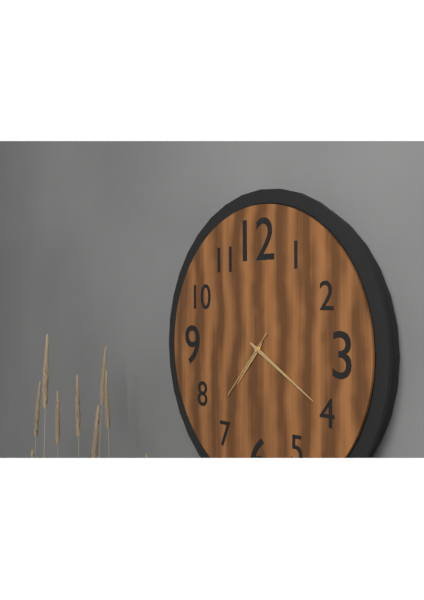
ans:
**7:20:37**
